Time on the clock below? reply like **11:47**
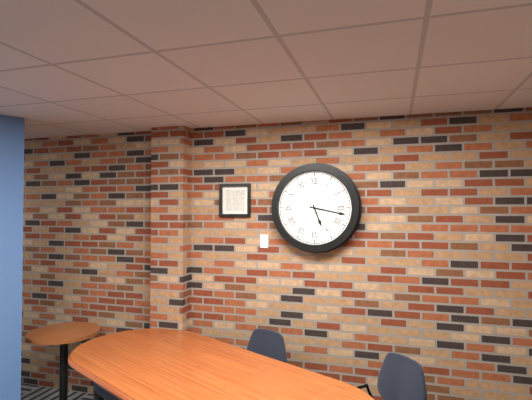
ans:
**5:17**
